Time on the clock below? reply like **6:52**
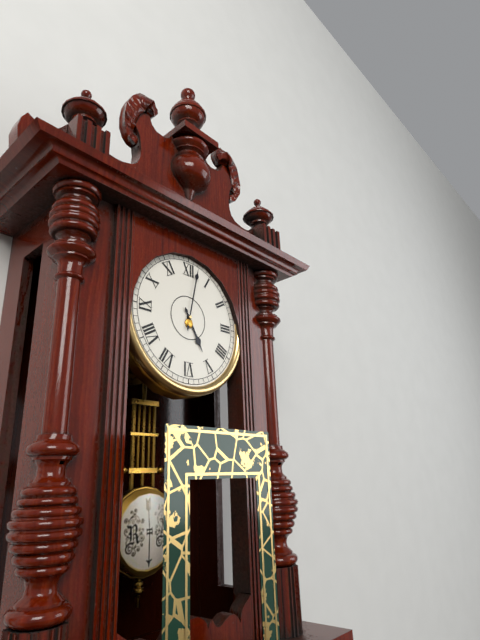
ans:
**5:02**
